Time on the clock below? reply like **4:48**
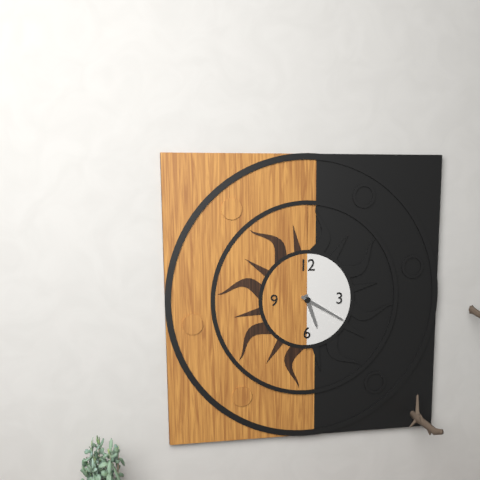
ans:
**5:20**
